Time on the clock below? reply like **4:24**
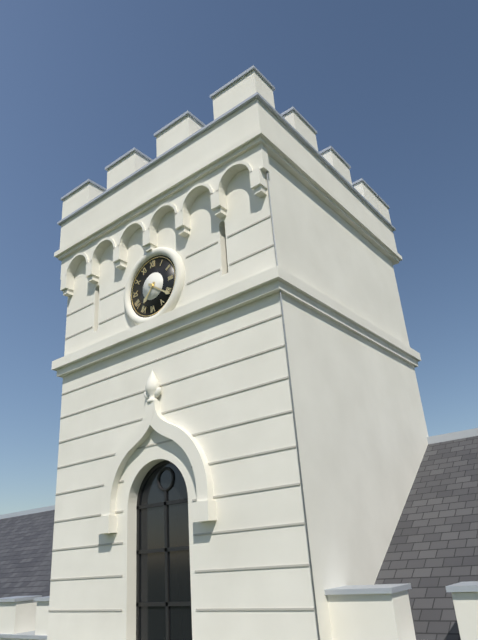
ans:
**7:21**
